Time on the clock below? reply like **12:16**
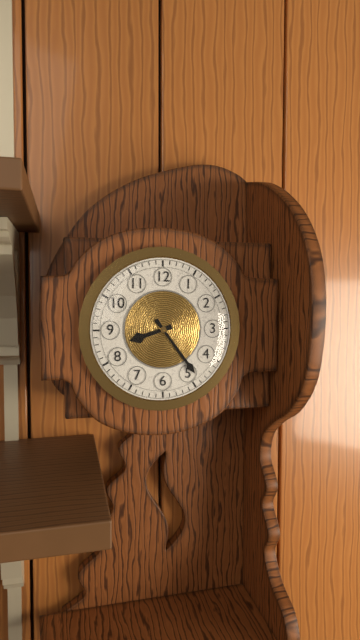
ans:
**8:24**
